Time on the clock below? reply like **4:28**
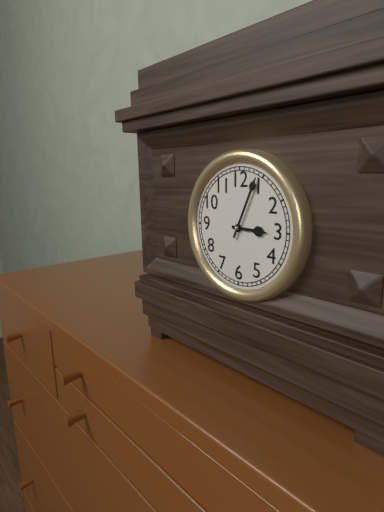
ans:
**3:04**
